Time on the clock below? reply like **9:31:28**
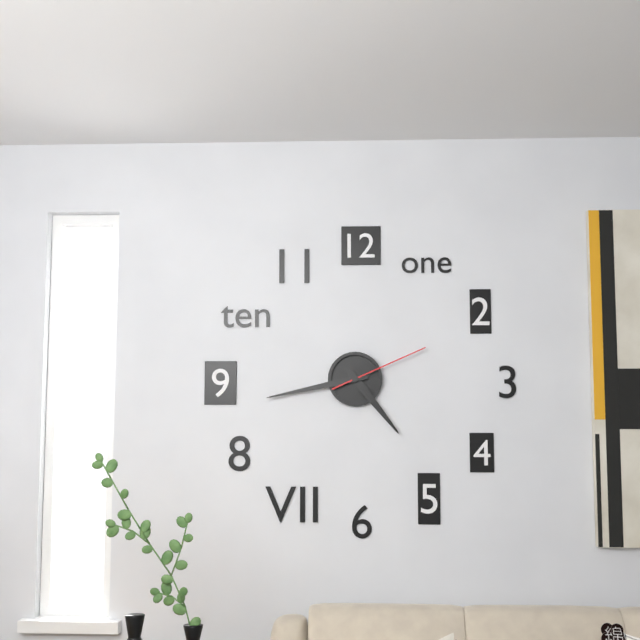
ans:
**4:43:11**
